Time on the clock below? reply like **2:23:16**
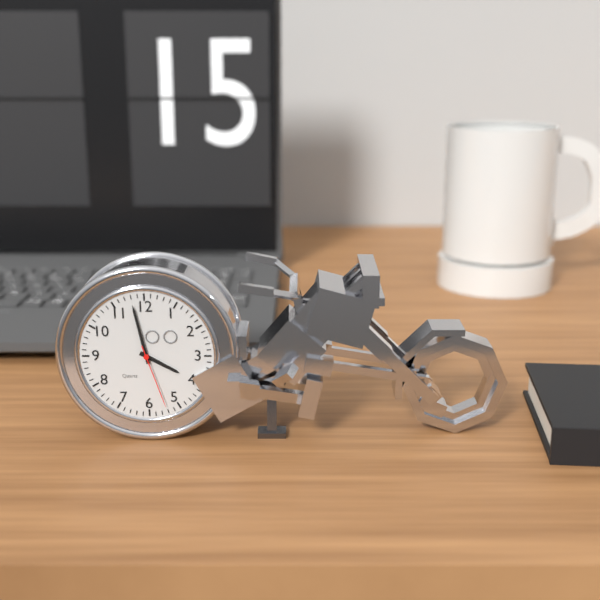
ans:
**3:58:27**
